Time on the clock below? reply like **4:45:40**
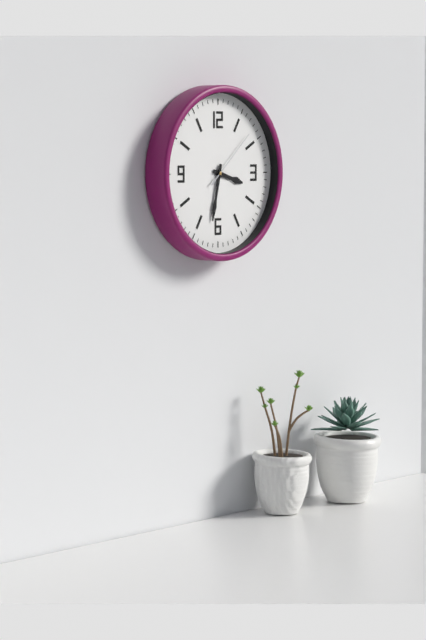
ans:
**3:32:08**
